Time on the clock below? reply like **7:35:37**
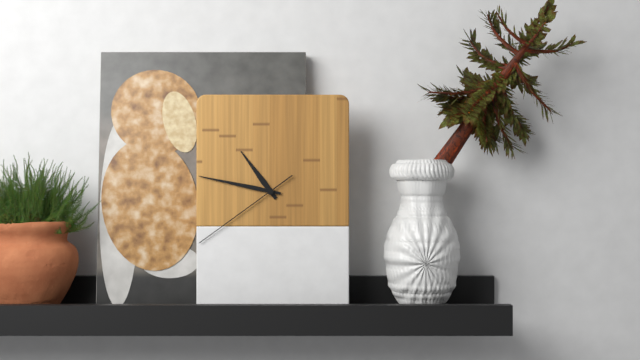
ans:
**10:47:39**
